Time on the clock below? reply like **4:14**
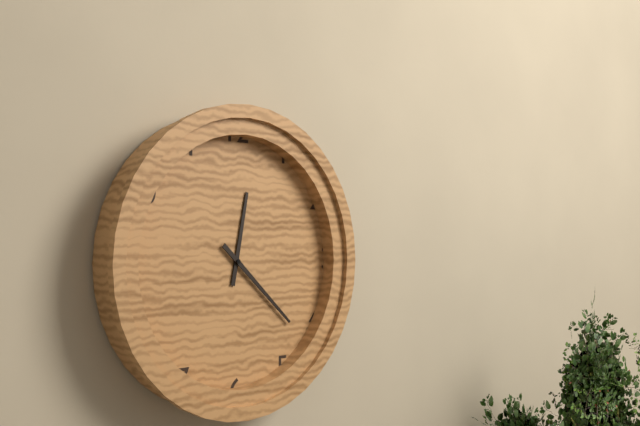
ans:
**12:22**
